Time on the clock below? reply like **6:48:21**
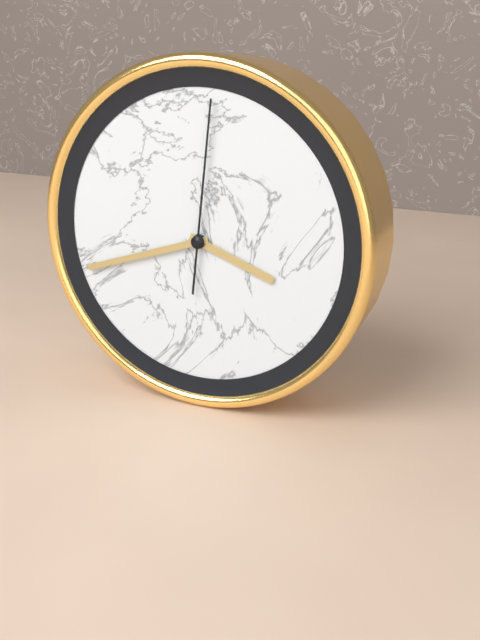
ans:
**3:42:01**
